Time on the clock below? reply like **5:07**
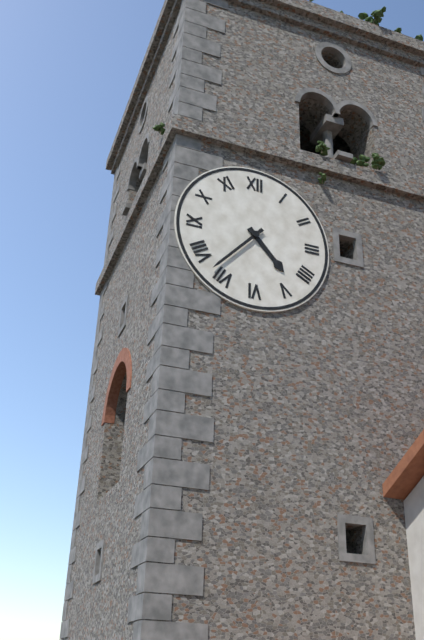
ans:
**4:37**
